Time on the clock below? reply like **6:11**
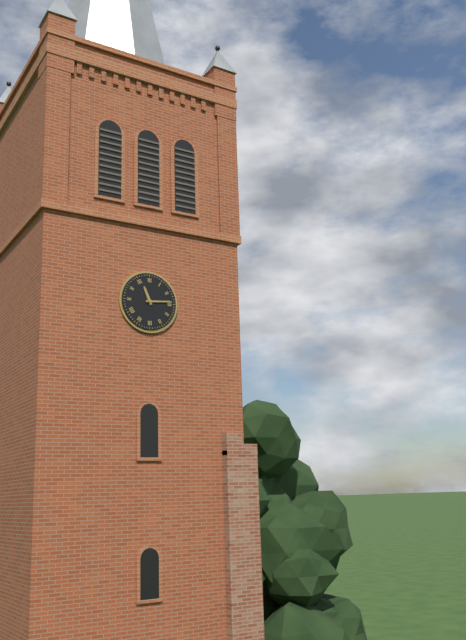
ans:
**11:14**
